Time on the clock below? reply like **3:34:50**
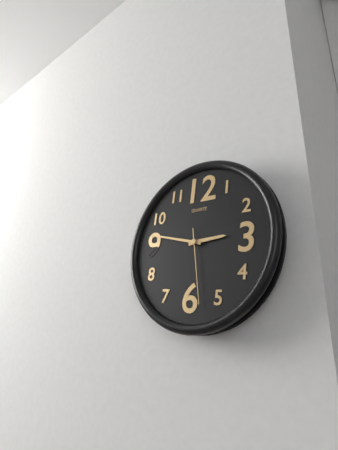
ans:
**2:47:28**
